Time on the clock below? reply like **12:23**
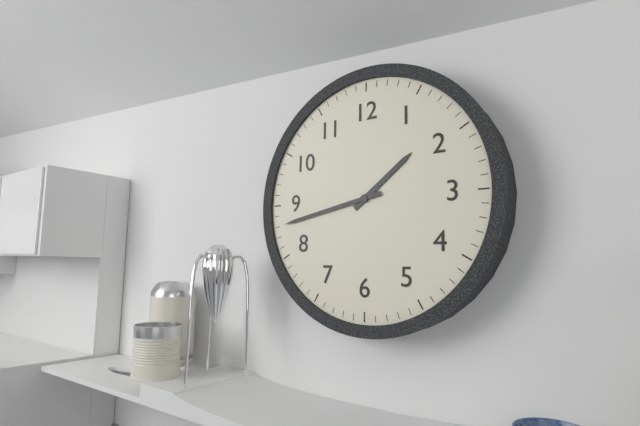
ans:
**1:43**
